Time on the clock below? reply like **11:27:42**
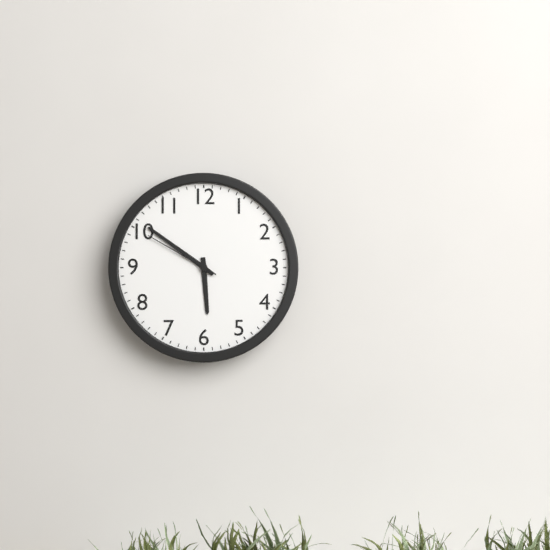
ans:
**5:51:50**
